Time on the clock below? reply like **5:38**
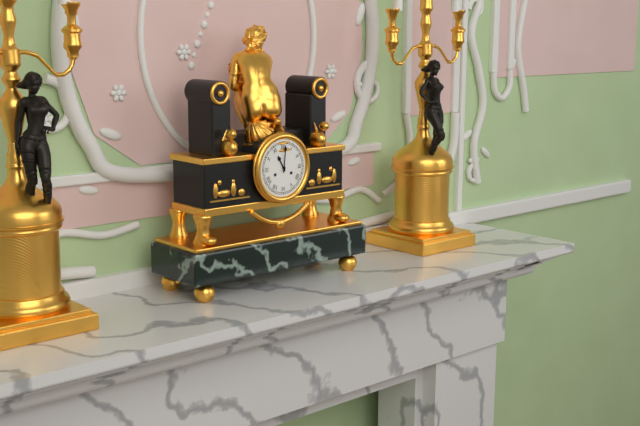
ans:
**11:01**
